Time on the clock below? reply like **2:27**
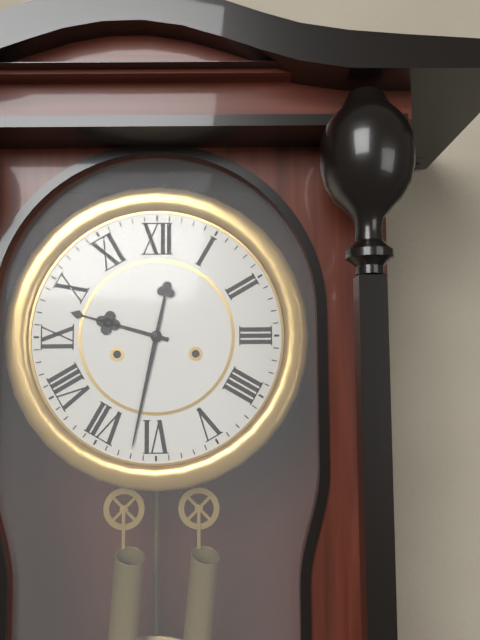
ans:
**9:32**
